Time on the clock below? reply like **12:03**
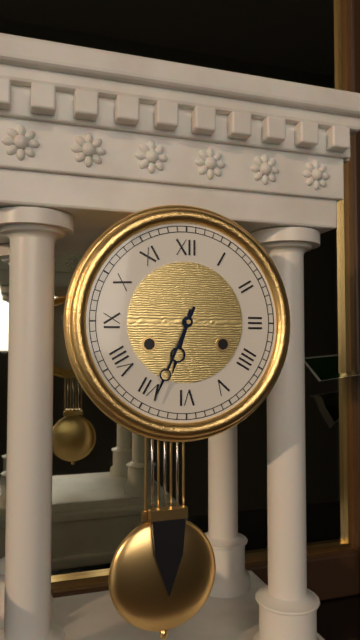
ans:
**6:34**
